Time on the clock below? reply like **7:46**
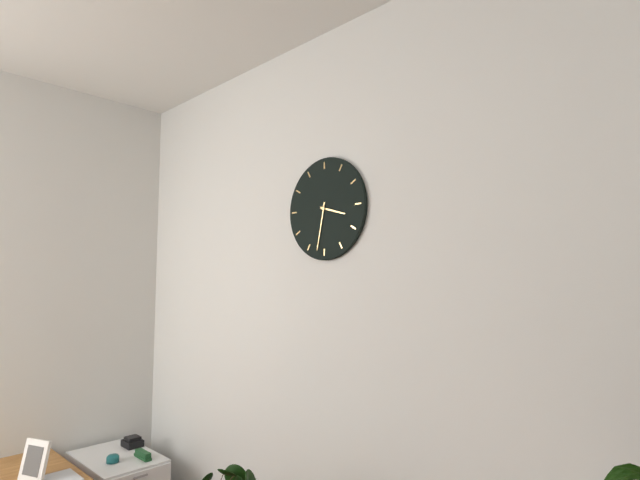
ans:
**3:32**
